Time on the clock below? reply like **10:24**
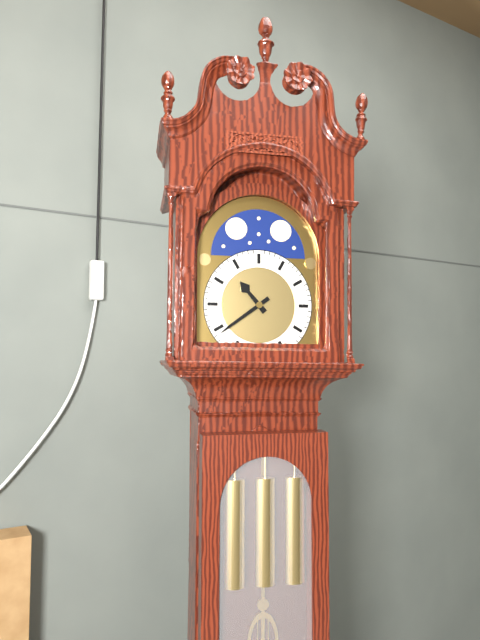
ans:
**10:39**
